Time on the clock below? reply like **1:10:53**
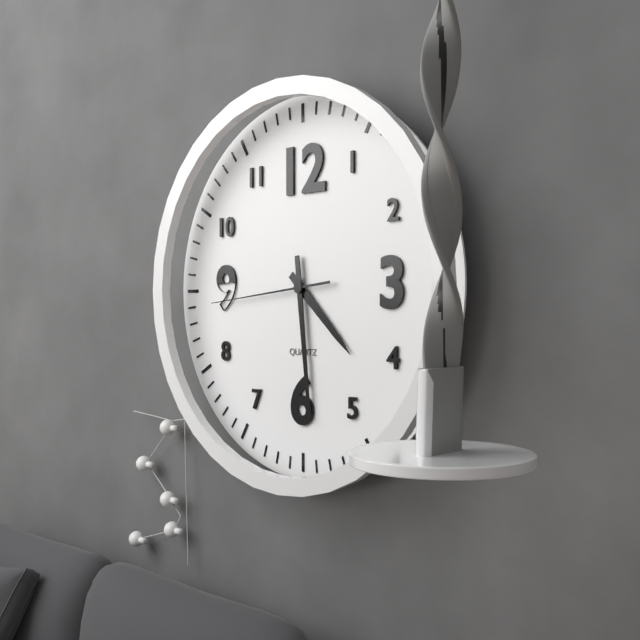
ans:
**4:29:44**
